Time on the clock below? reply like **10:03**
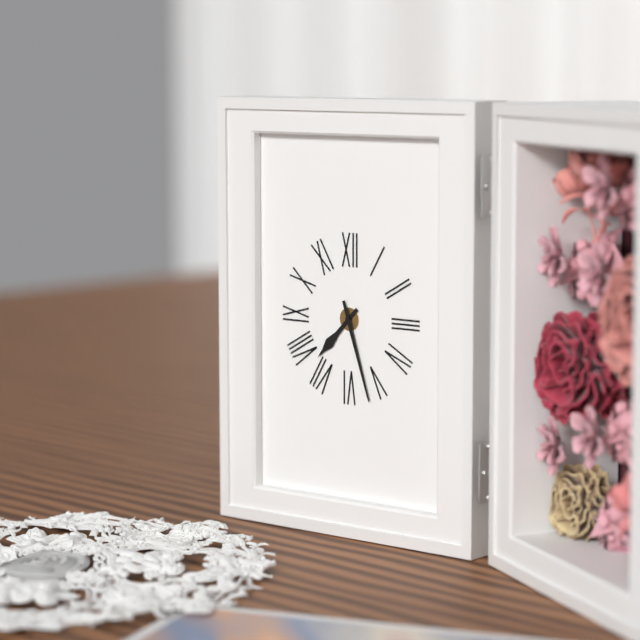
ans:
**7:27**
